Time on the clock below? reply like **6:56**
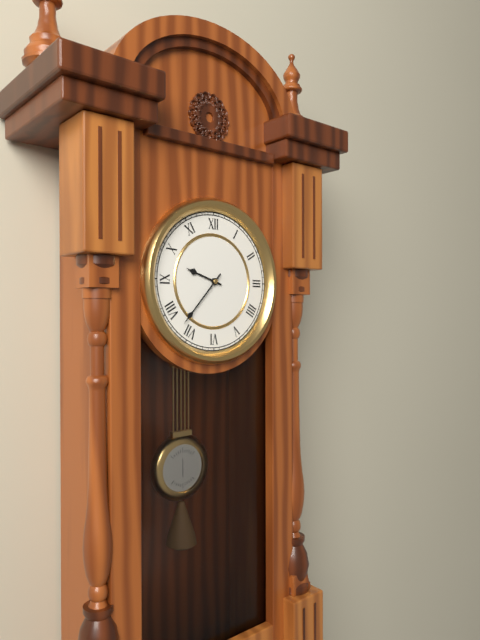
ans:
**9:37**
